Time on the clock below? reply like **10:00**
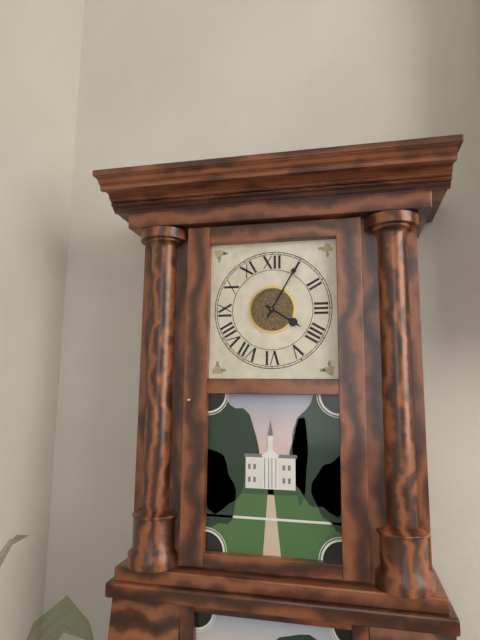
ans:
**4:05**
